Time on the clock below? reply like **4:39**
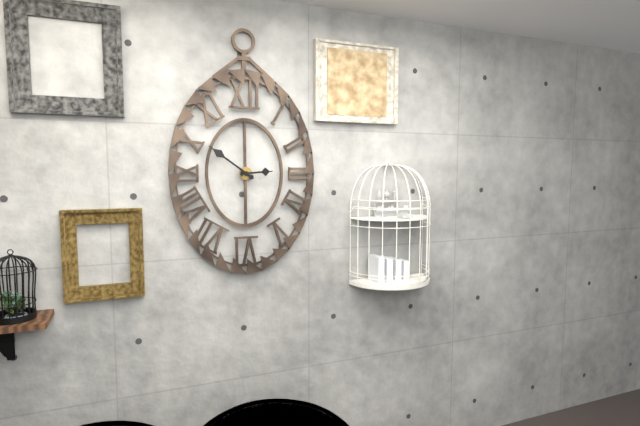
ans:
**2:51**
